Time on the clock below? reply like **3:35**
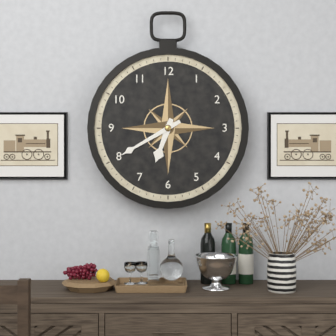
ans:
**6:40**
